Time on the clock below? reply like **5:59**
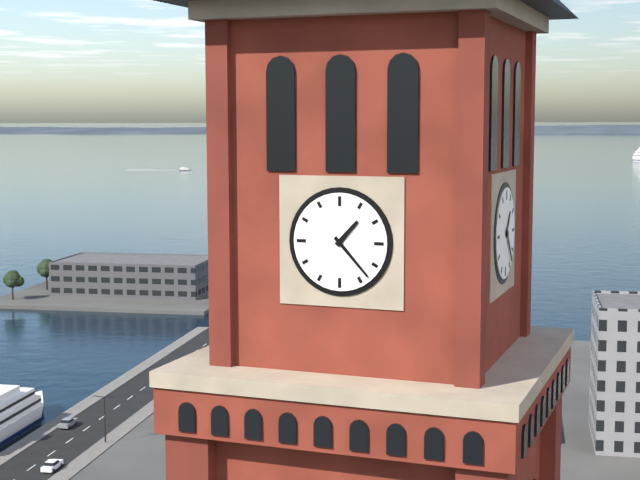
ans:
**1:23**
